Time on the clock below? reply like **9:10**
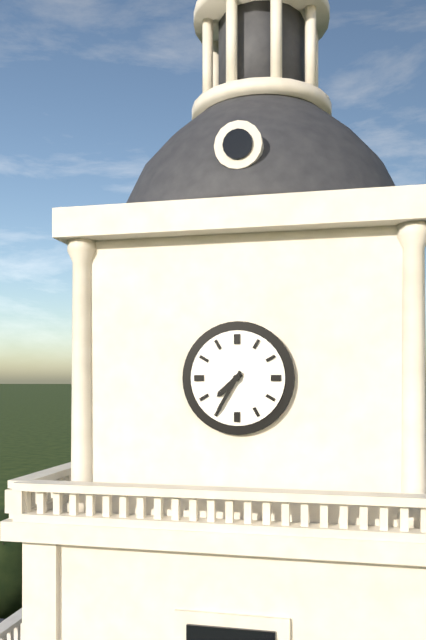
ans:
**7:35**
